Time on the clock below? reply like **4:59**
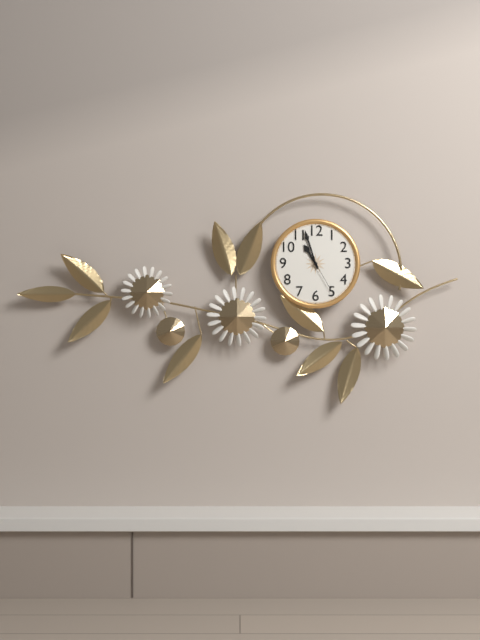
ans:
**10:57**
